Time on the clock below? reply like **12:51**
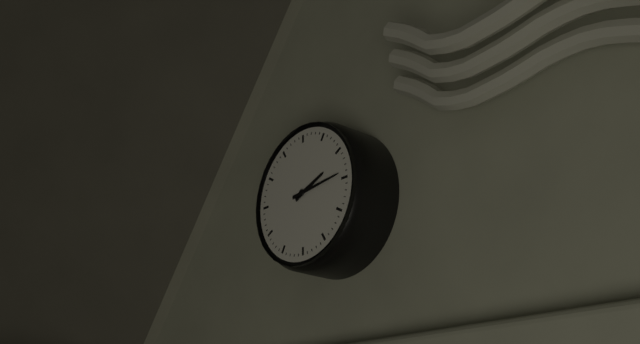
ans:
**2:14**
